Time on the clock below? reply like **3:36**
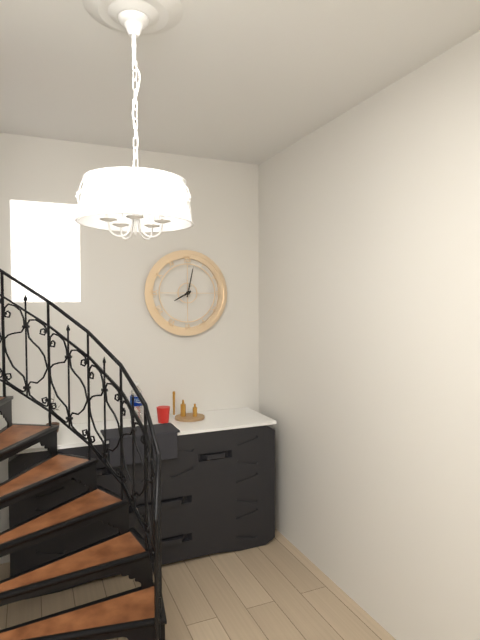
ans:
**8:02**
